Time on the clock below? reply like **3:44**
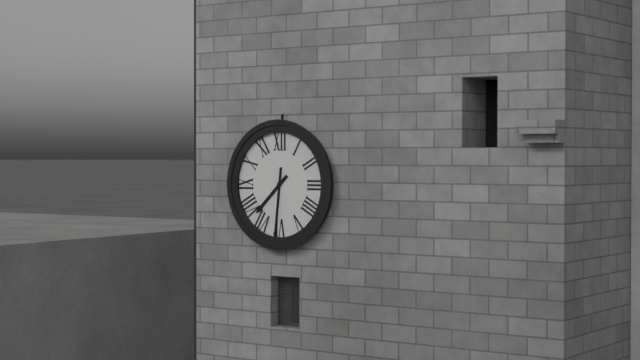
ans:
**7:31**
